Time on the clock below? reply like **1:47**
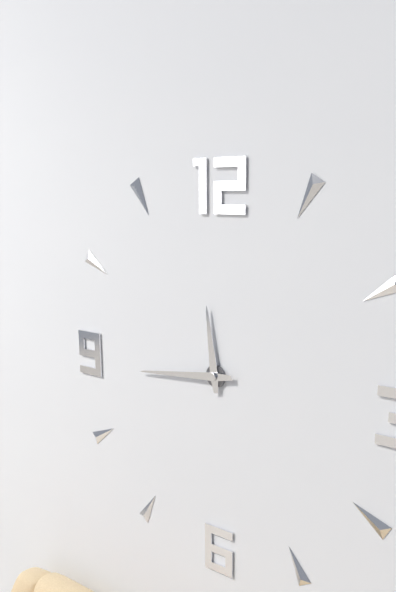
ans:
**11:44**
